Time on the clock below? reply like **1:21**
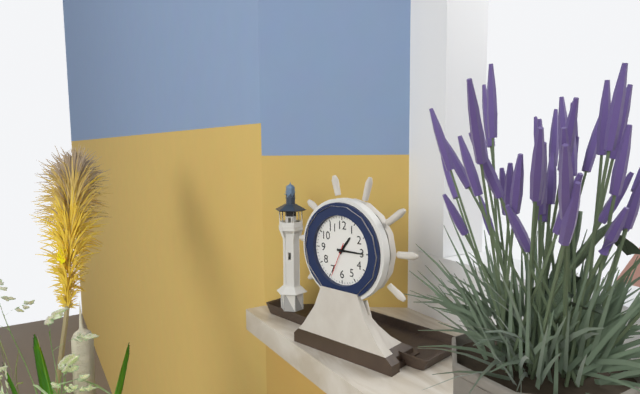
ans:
**1:15**
